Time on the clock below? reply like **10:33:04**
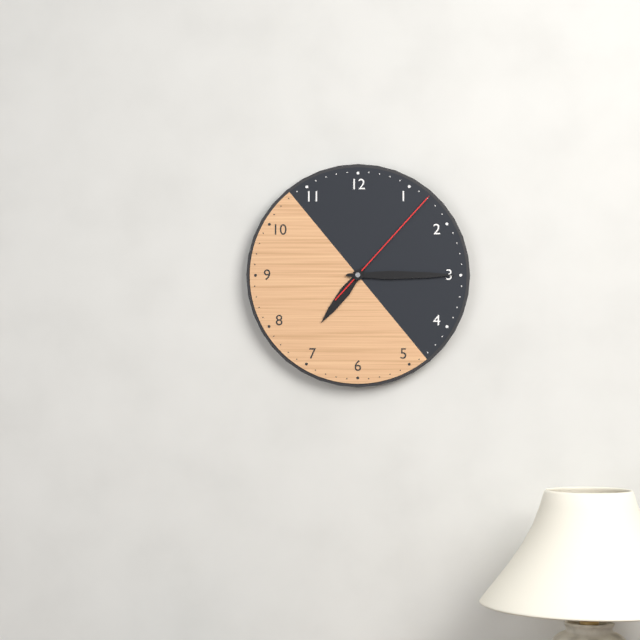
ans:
**7:15:07**
